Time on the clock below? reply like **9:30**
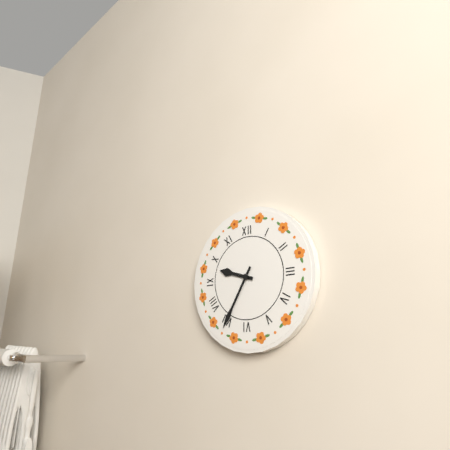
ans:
**9:35**
